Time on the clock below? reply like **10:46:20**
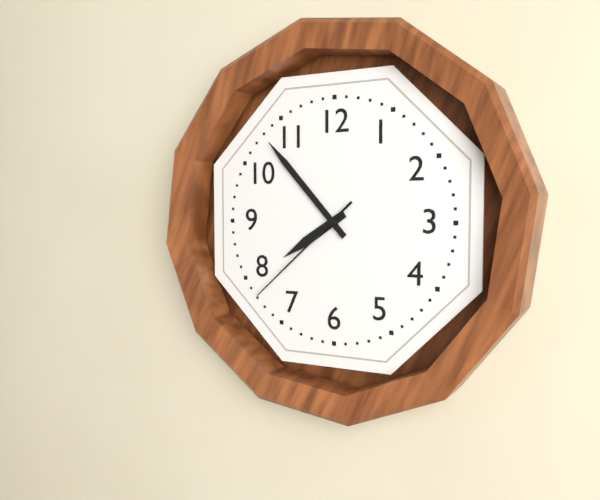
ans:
**7:53:38**
